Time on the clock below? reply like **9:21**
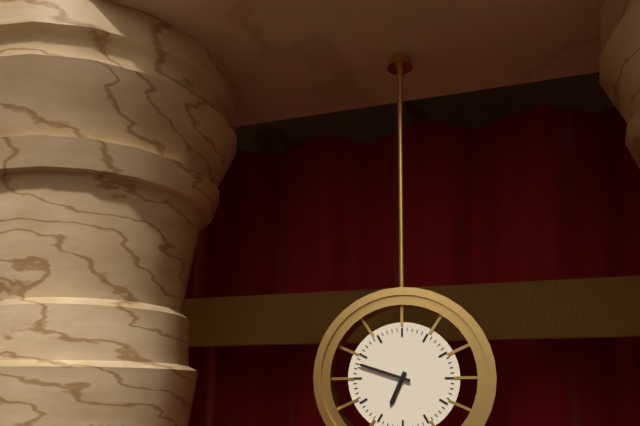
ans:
**6:48**
